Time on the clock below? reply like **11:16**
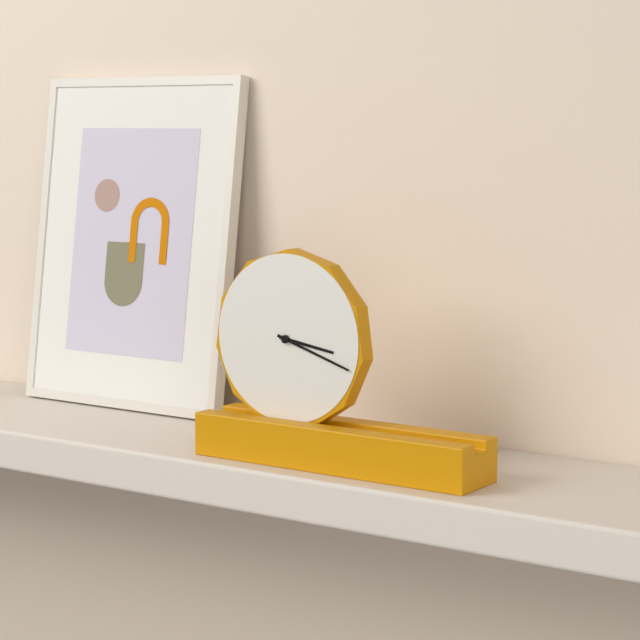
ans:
**3:18**
